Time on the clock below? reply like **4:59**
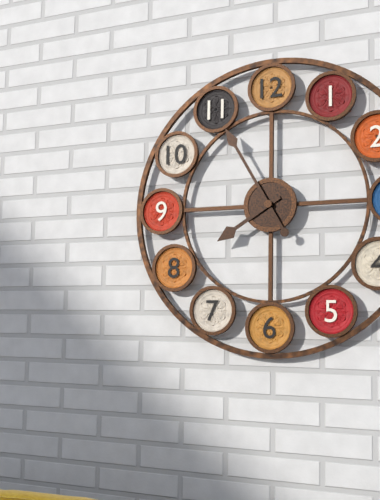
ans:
**7:55**
